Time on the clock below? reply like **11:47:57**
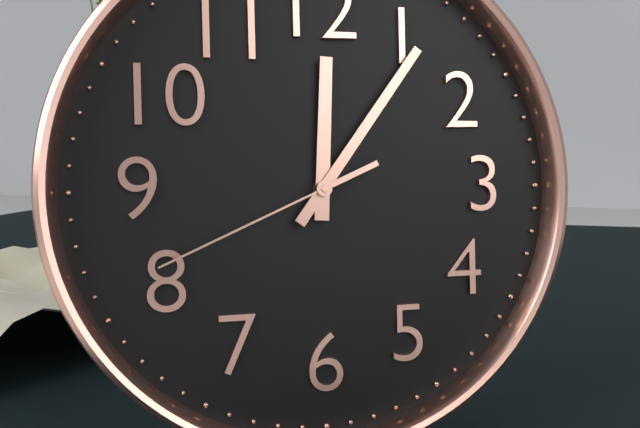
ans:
**12:06:41**
